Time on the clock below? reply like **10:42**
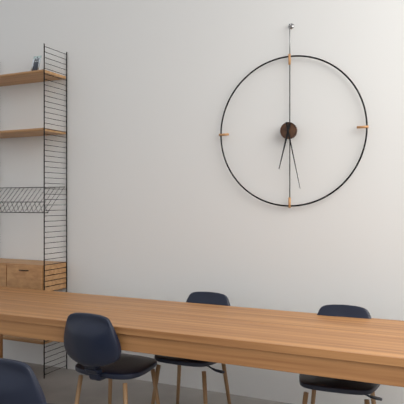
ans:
**6:28**
